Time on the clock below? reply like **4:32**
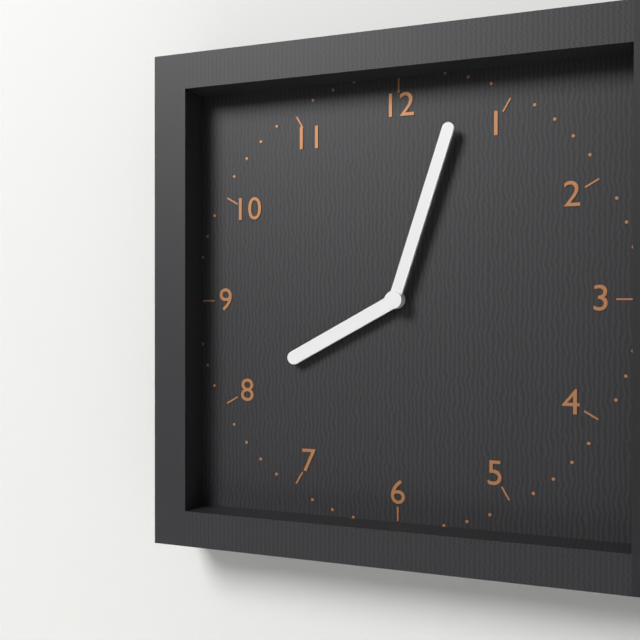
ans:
**8:03**
